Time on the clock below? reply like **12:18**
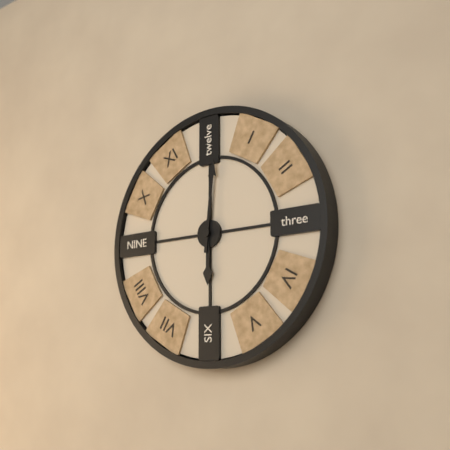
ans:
**6:01**
